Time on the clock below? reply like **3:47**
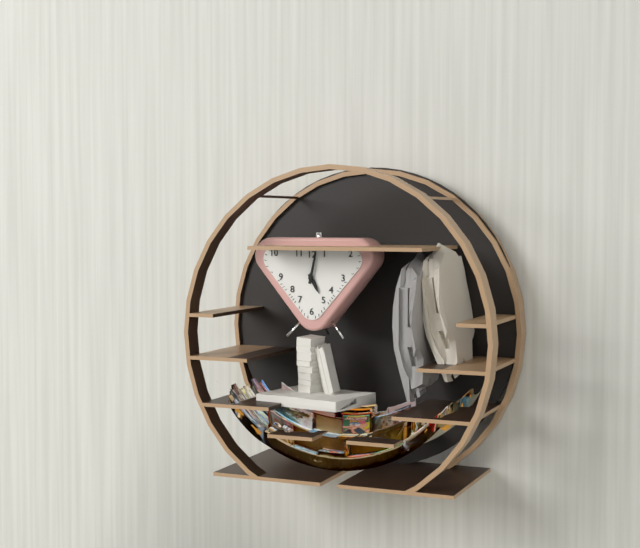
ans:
**5:02**
